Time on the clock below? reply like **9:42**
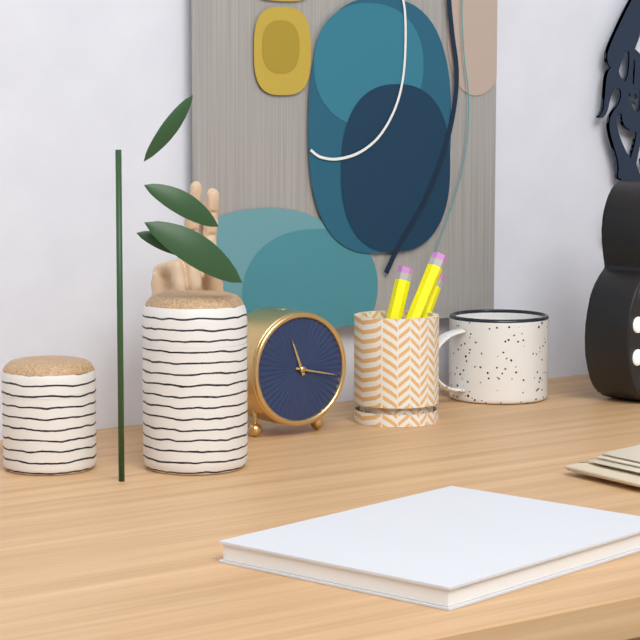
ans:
**11:17**
